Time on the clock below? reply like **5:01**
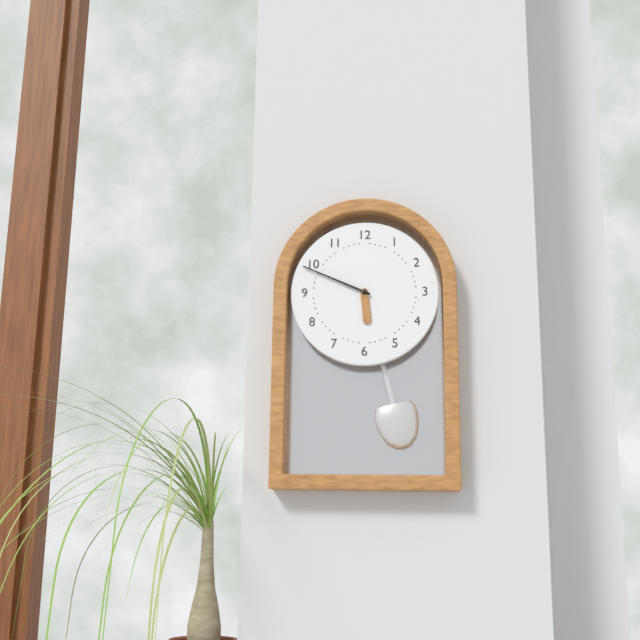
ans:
**5:49**
